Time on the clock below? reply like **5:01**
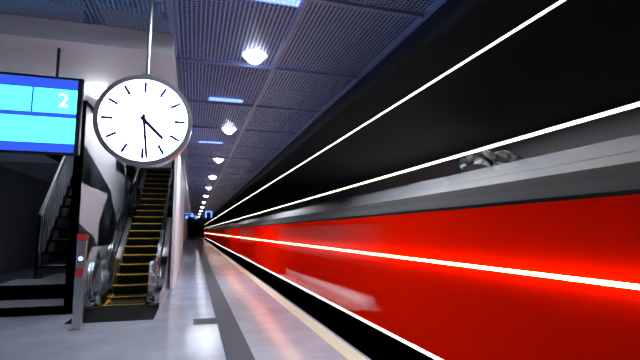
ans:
**4:29**
